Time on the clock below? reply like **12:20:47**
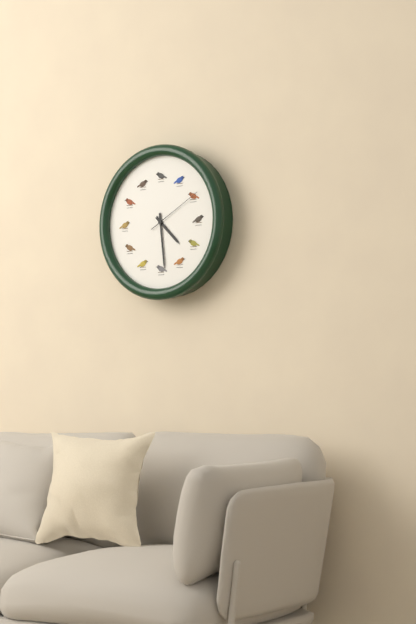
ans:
**4:29:10**
